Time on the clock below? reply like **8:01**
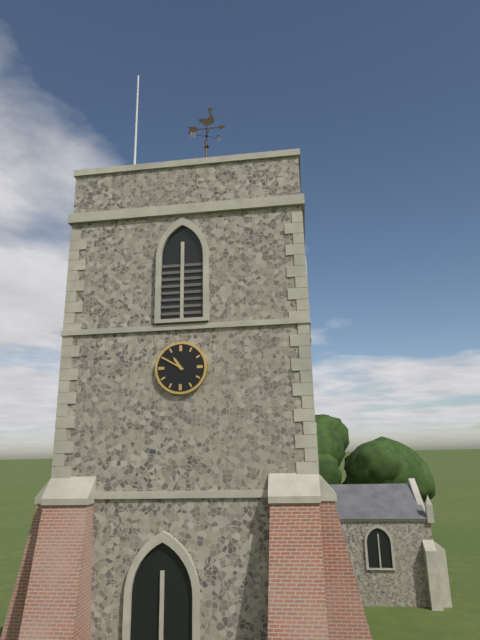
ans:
**10:50**
